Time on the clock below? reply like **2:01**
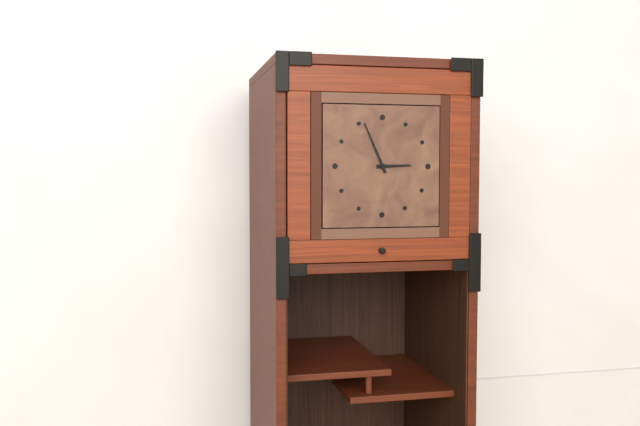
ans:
**2:56**
